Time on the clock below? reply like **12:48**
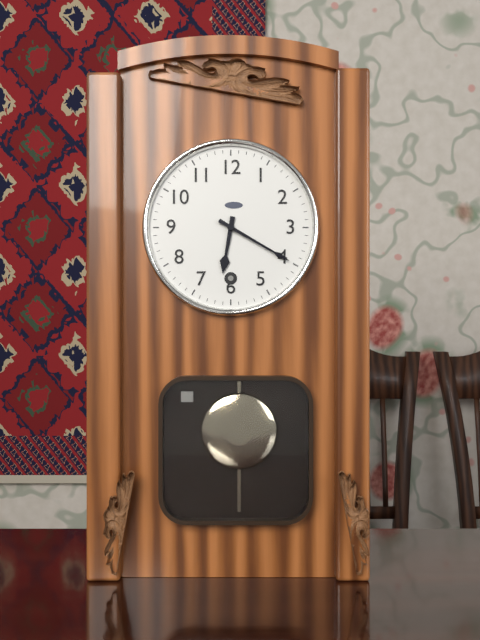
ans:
**6:20**
